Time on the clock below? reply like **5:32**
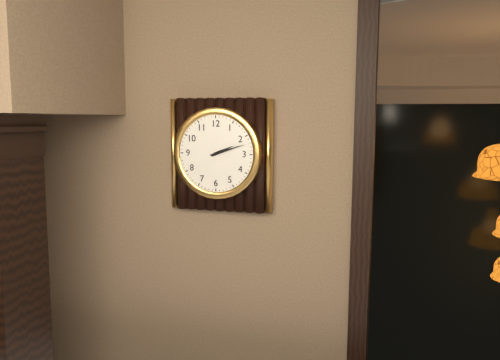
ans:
**2:12**
